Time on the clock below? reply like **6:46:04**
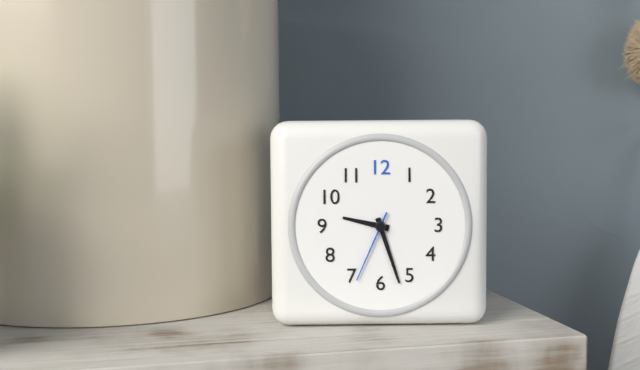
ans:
**9:27:34**
